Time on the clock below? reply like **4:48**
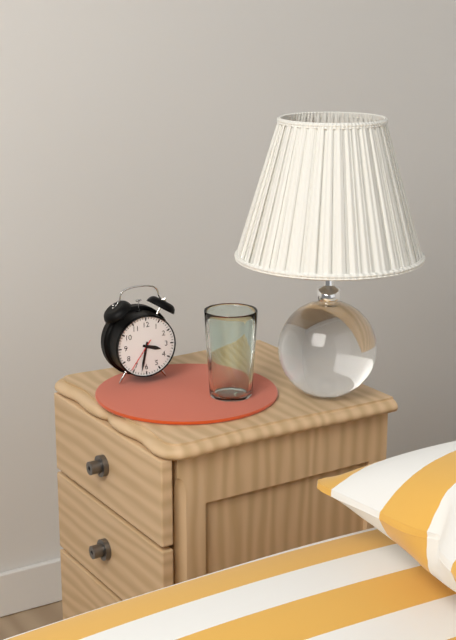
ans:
**3:32**
